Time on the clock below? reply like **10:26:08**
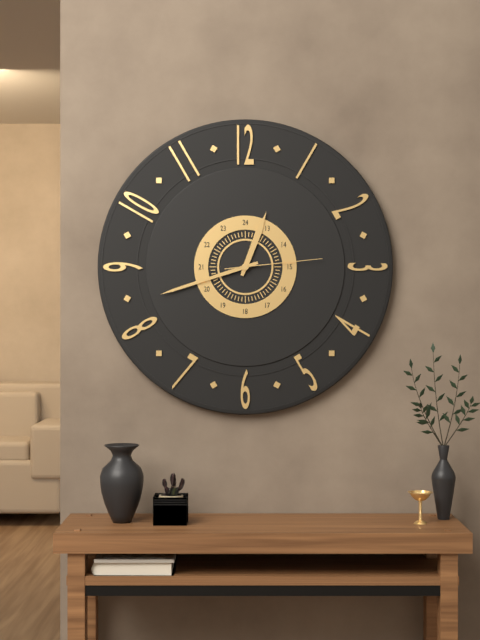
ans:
**12:42:14**
